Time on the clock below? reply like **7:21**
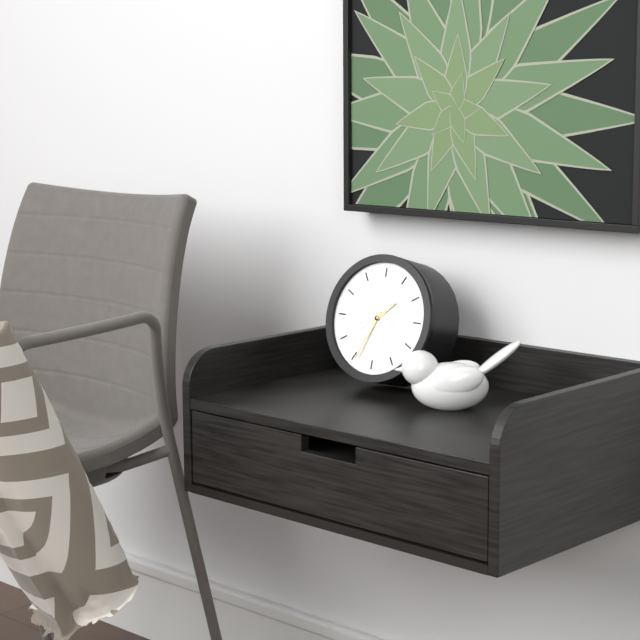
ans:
**1:34**
